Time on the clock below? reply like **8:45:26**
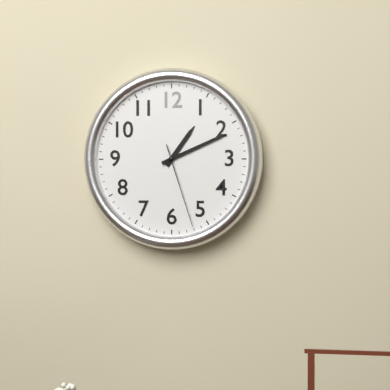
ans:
**1:11:27**
